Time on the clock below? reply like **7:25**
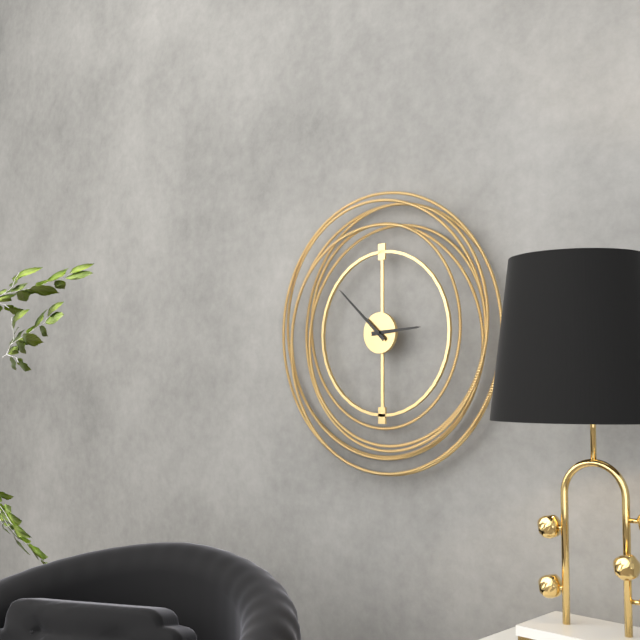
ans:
**2:52**
